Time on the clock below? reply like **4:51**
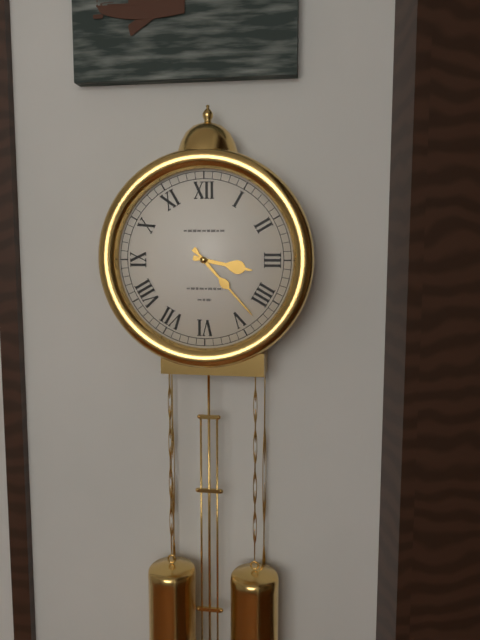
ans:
**3:23**
